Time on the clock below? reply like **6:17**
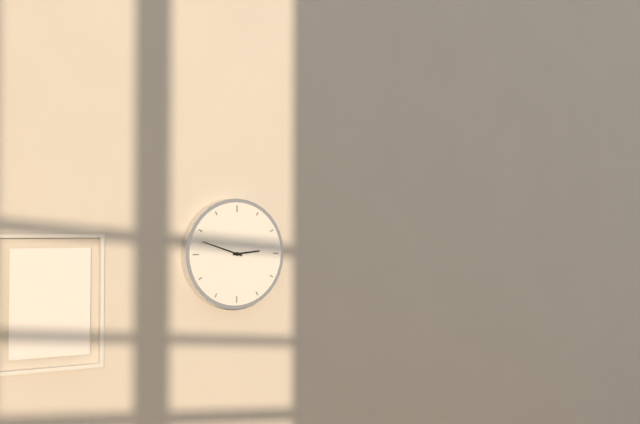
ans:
**2:48**
